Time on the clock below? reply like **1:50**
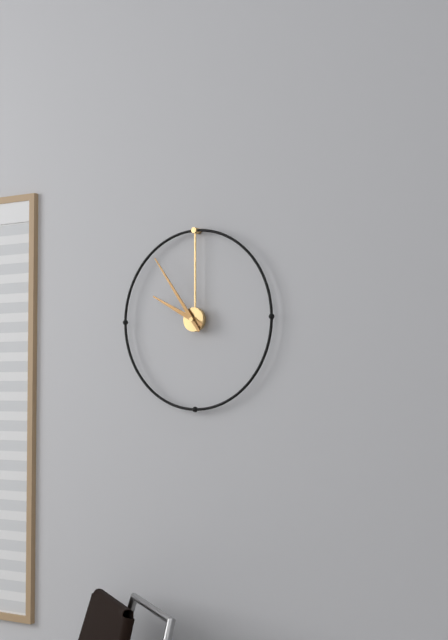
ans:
**9:54**
